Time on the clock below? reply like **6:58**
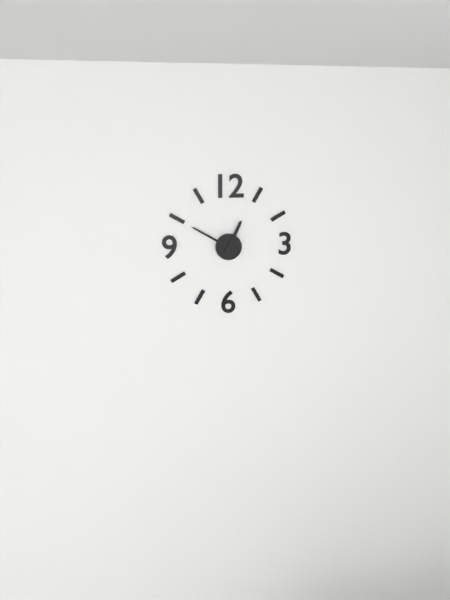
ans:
**12:50**
